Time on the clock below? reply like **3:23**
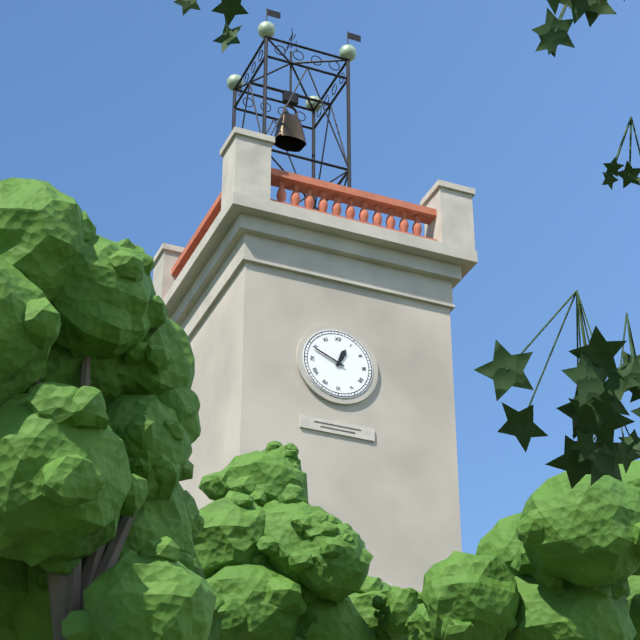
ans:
**12:49**
